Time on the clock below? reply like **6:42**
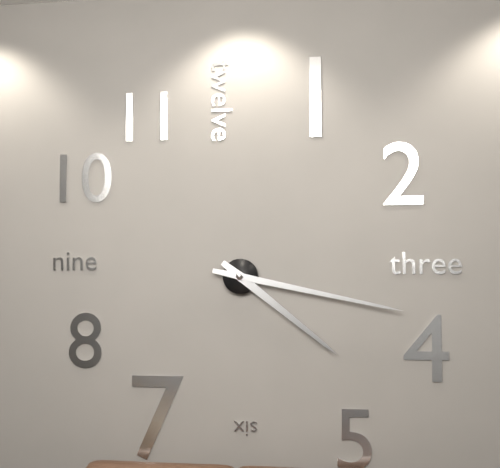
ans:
**4:17**
